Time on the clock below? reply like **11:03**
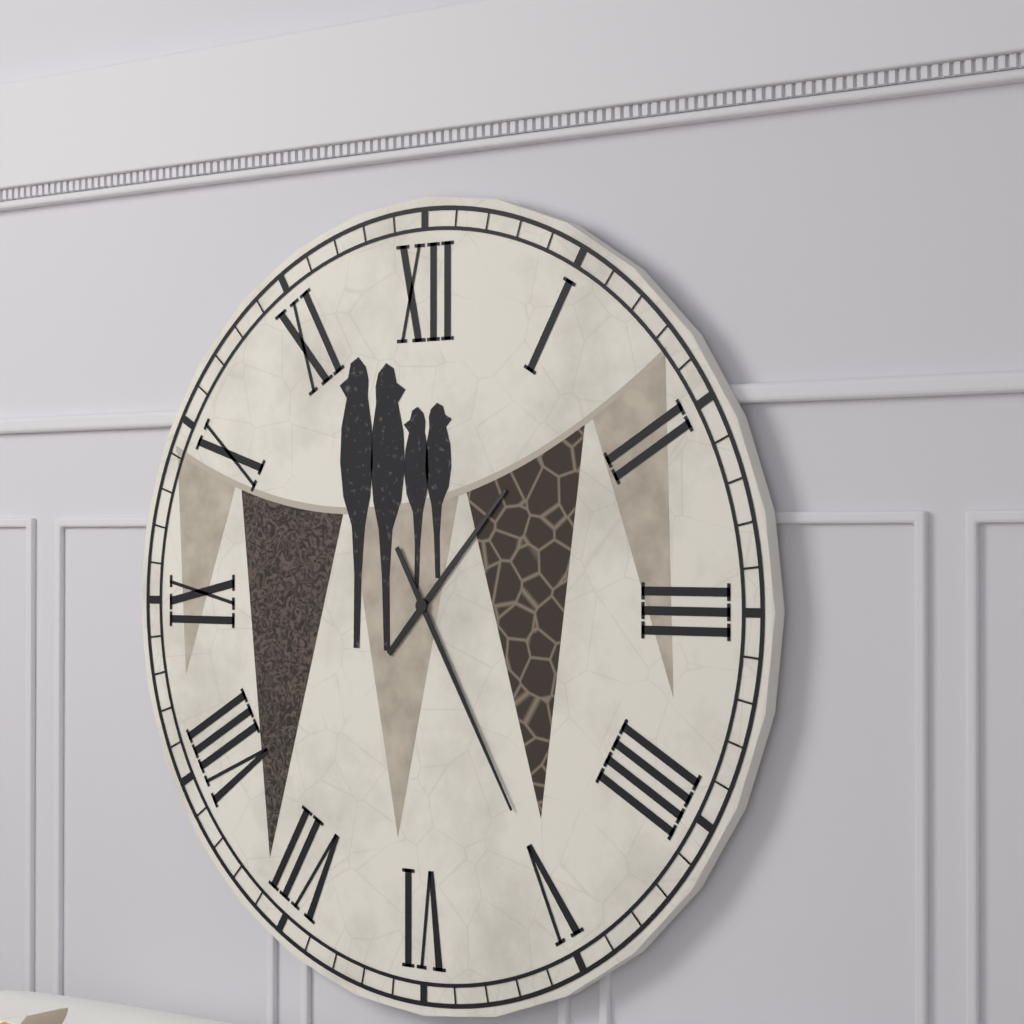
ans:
**1:25**
